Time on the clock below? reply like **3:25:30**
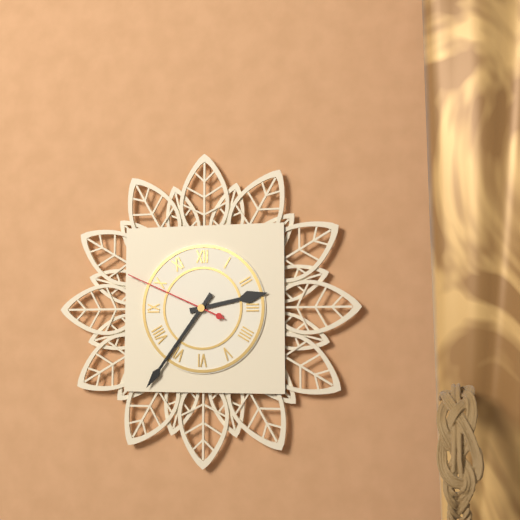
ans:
**2:36:49**
